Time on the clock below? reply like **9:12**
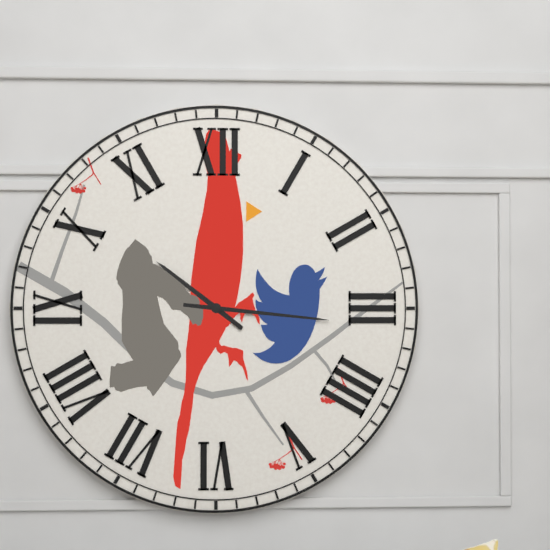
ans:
**10:16**
